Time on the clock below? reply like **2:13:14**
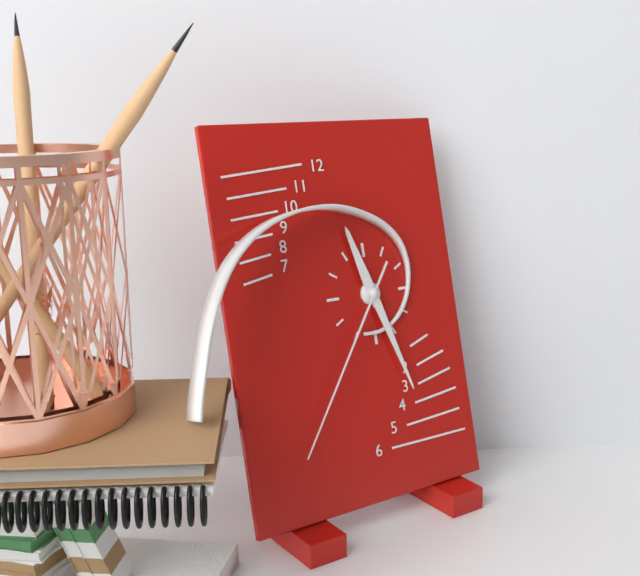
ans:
**11:27:36**
